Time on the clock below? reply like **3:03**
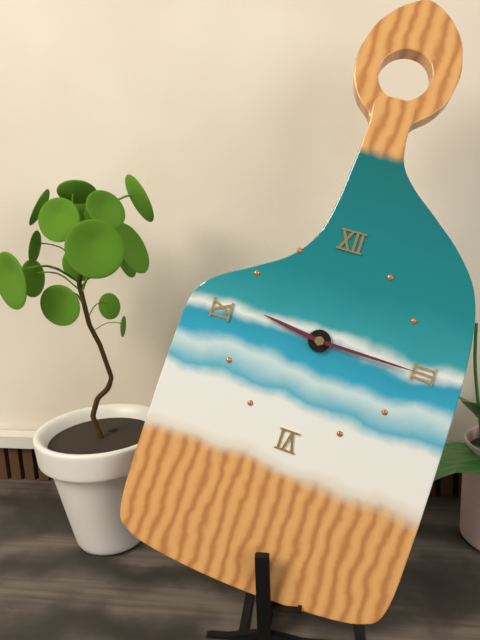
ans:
**9:15**
